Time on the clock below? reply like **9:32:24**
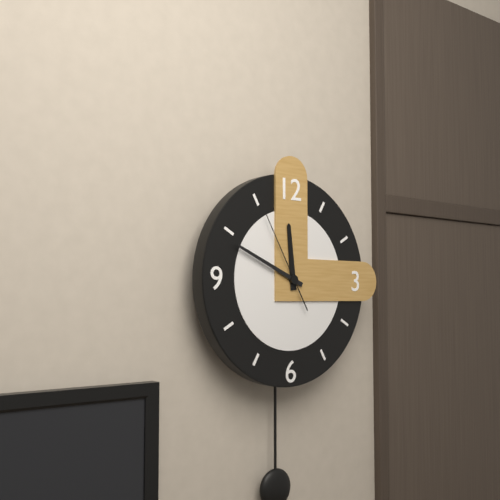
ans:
**11:49:55**
